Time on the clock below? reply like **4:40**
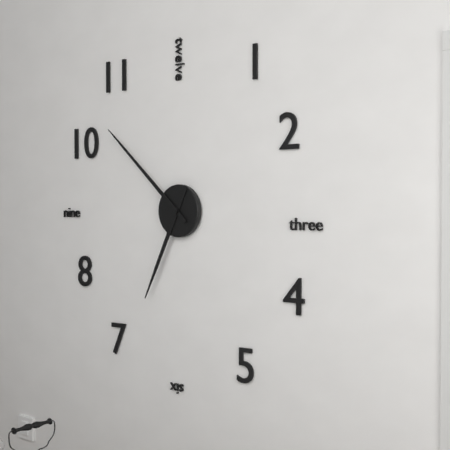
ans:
**6:52**
